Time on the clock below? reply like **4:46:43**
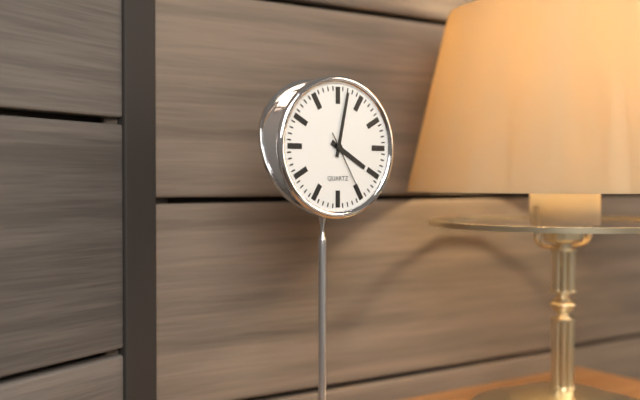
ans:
**4:02:25**
